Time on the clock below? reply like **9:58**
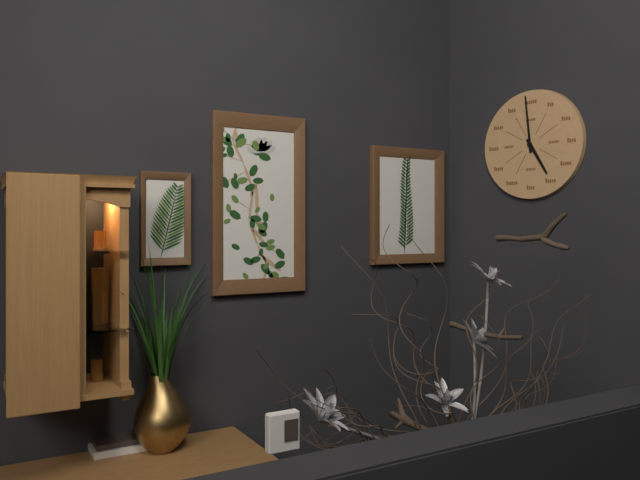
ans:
**4:59**
